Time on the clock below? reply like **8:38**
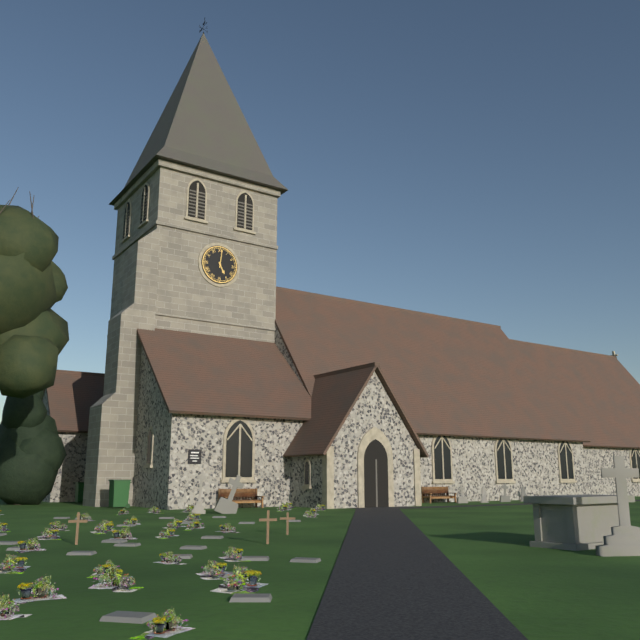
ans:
**5:01**
